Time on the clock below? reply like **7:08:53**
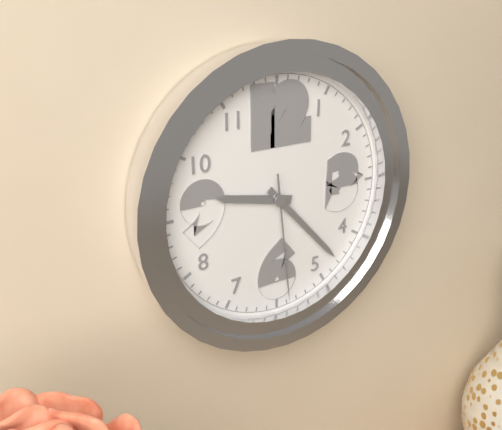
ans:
**9:23:29**
